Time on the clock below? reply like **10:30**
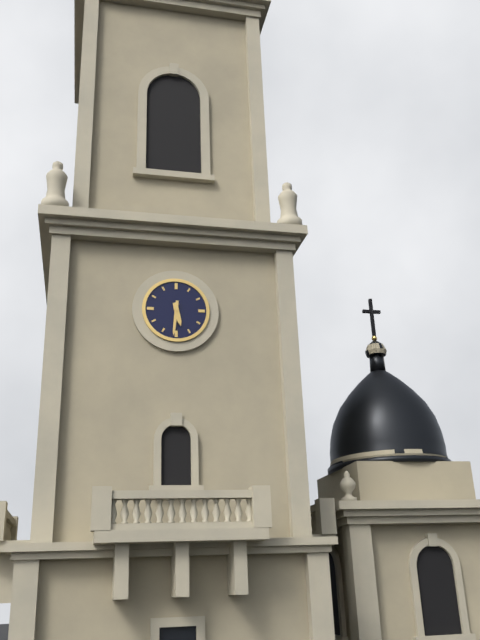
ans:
**5:31**
